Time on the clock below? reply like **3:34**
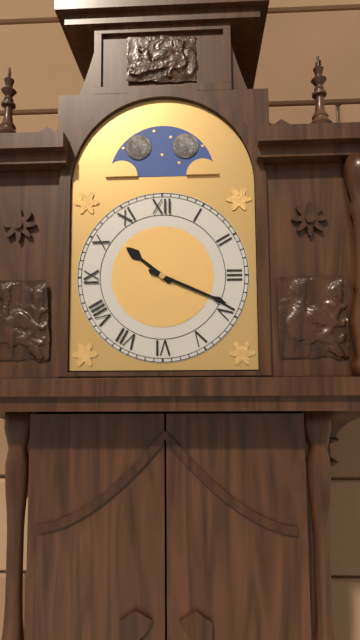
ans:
**10:19**
